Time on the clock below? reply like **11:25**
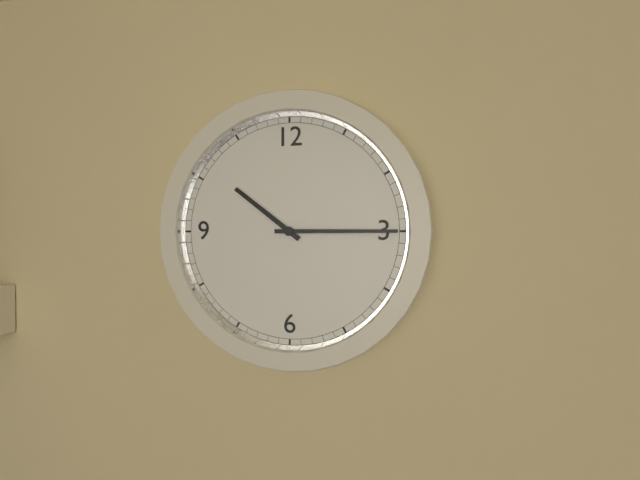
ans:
**10:15**
